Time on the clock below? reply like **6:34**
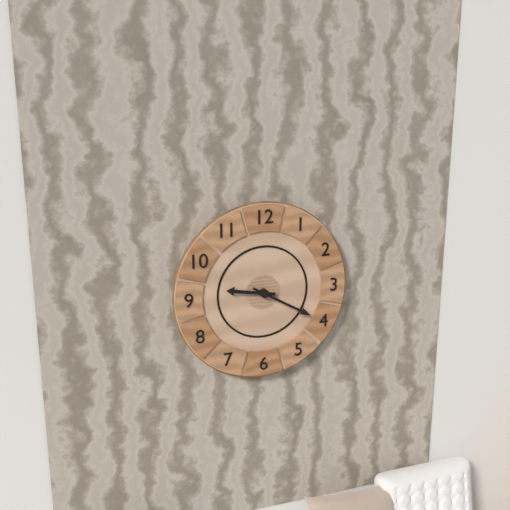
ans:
**9:20**
